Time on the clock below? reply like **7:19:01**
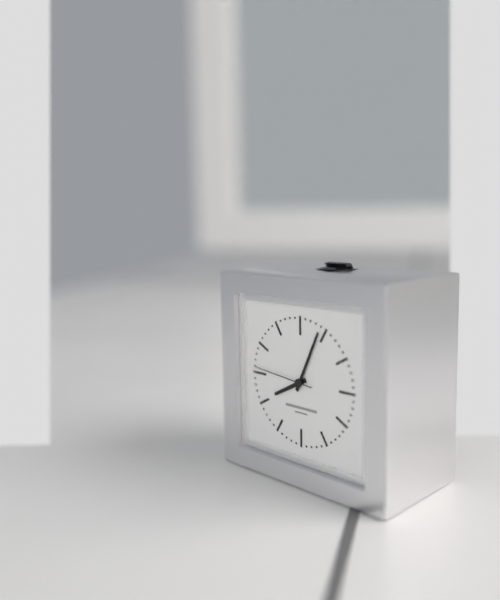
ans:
**8:04:46**
